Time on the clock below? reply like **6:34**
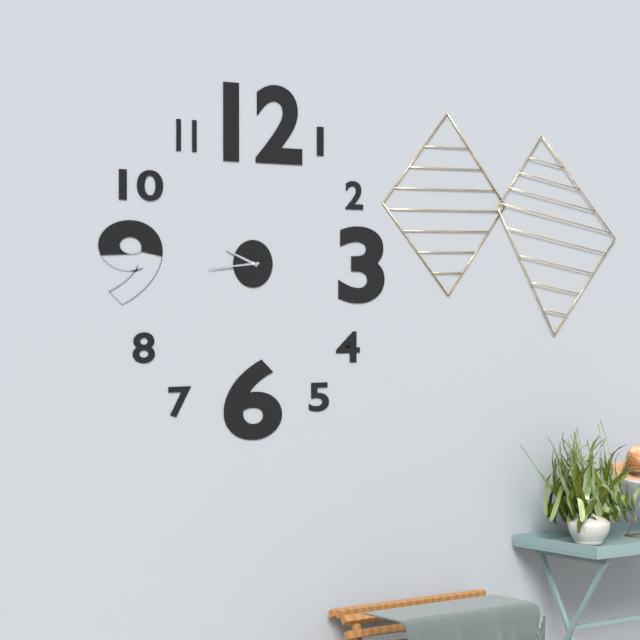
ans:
**9:44**
